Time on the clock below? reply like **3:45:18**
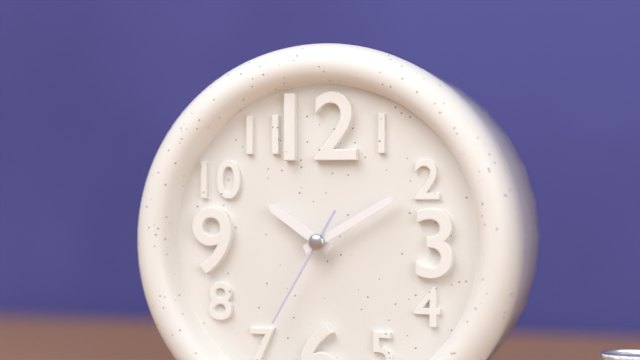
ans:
**10:10:35**
